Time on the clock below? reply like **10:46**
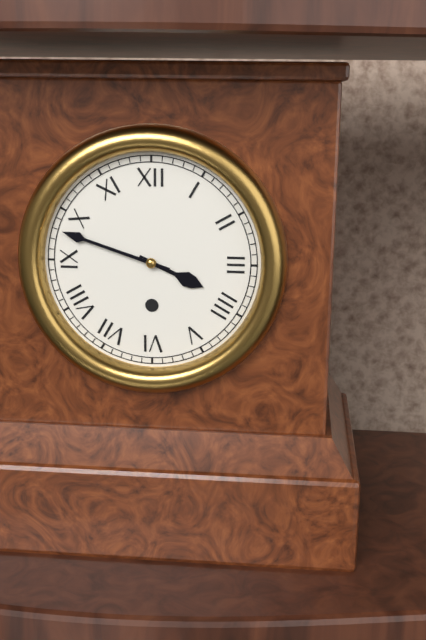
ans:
**3:48**
